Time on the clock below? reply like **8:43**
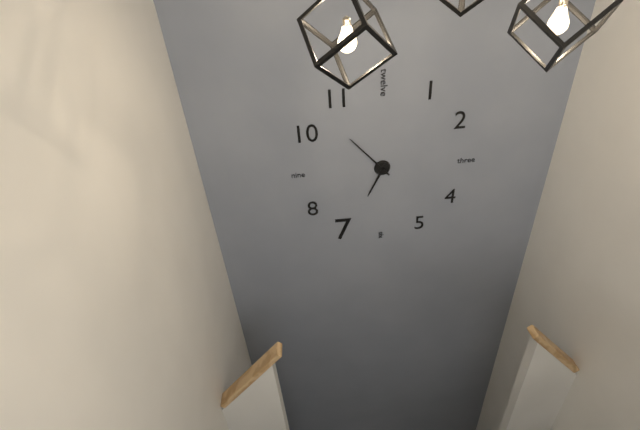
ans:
**6:53**
